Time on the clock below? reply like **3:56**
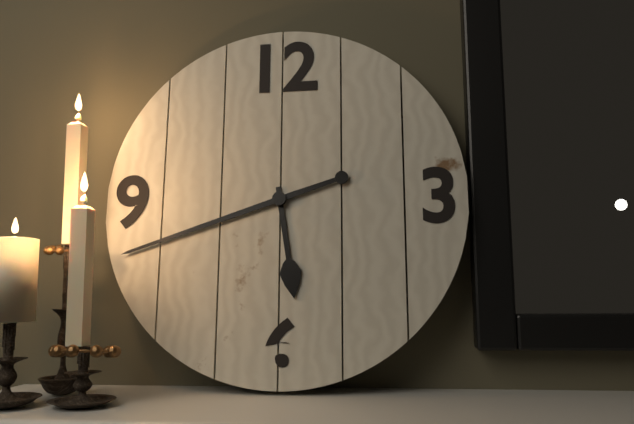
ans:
**5:42**
